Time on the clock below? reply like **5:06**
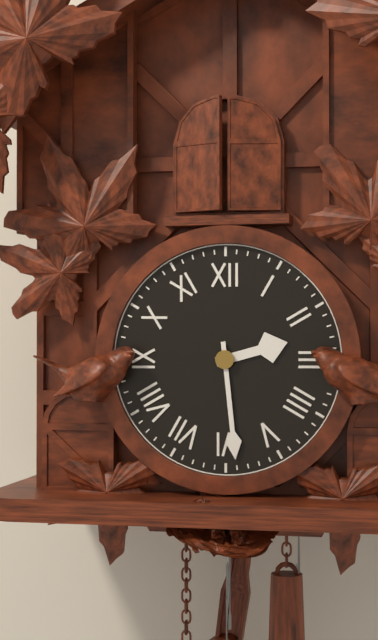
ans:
**2:29**
